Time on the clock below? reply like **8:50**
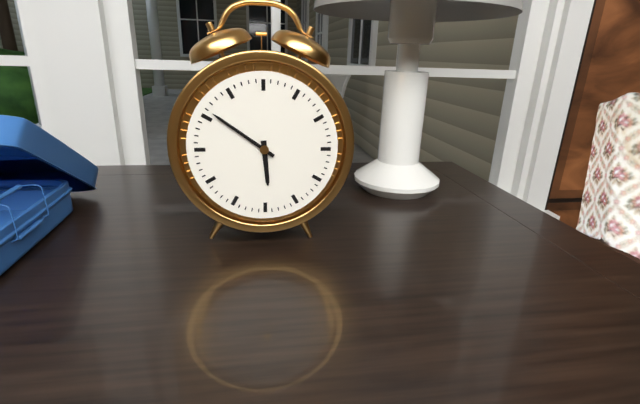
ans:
**5:51**
